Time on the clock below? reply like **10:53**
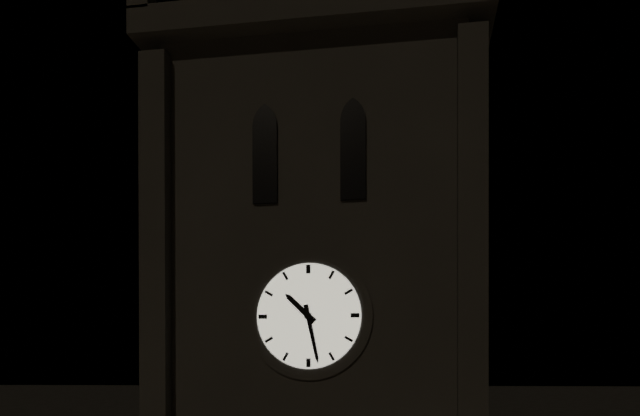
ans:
**10:28**
